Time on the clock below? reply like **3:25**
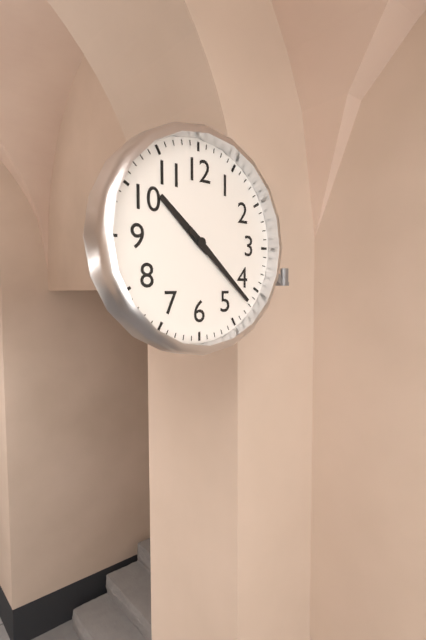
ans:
**10:22**
